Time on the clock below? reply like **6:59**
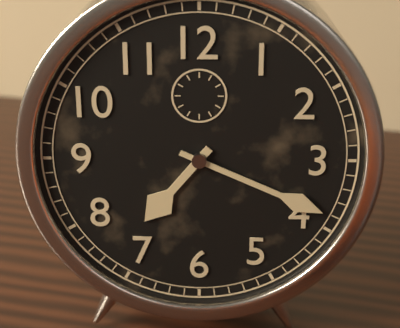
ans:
**7:19**
